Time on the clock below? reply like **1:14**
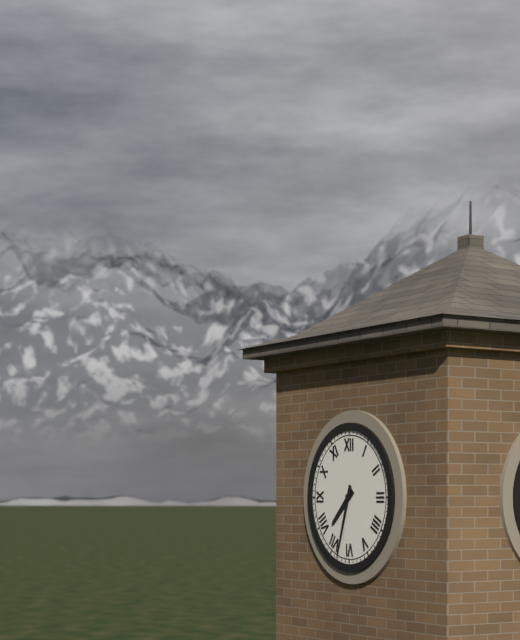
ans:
**7:33**
